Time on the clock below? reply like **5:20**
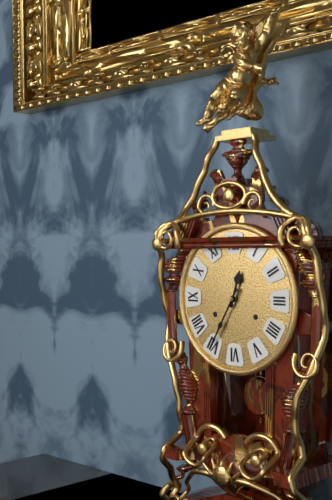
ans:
**12:35**
